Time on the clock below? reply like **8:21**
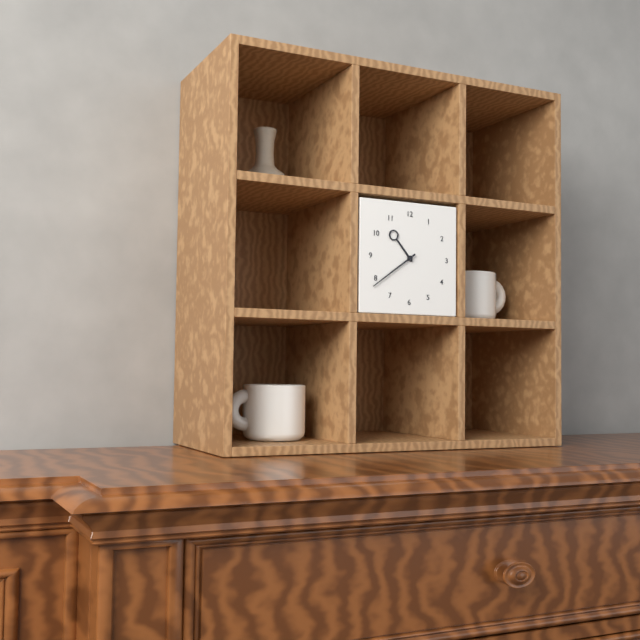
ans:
**10:39**
